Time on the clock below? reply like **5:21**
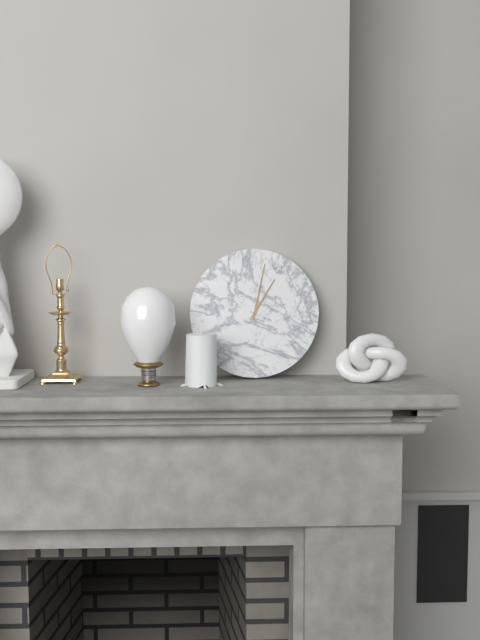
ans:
**1:02**
